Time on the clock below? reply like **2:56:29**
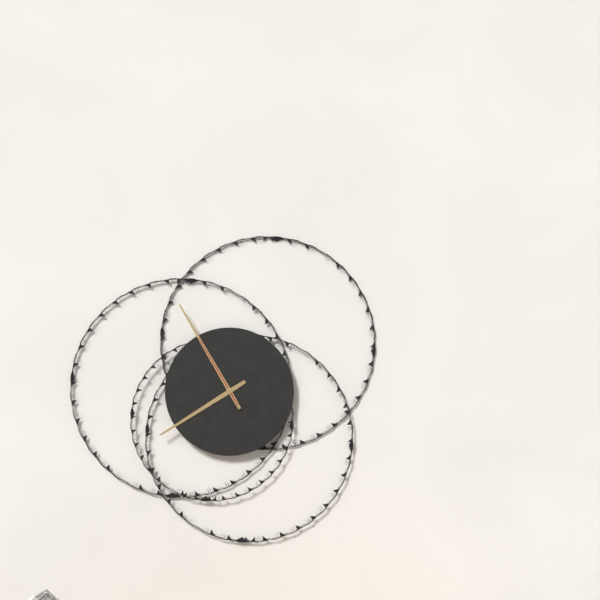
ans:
**7:55:55**
